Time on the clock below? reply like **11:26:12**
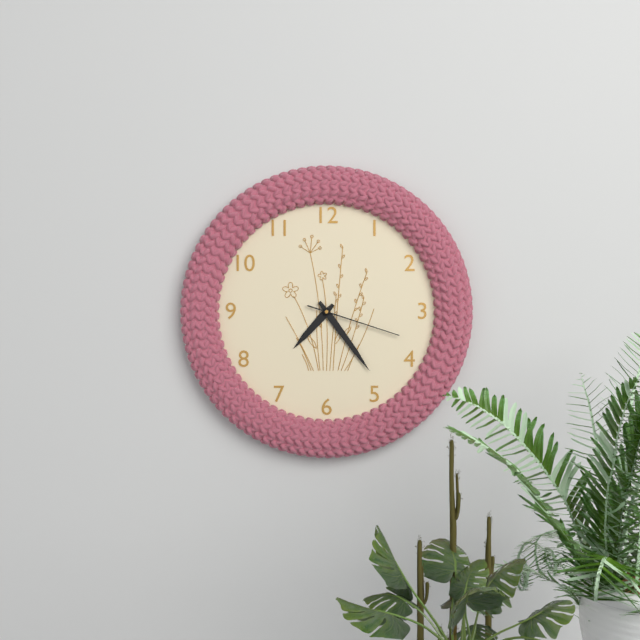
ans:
**7:24:18**
